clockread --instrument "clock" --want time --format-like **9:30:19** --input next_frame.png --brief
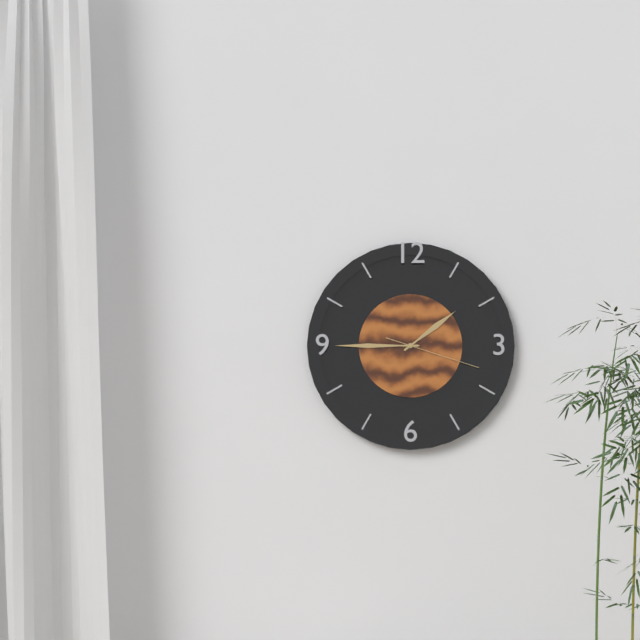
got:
**1:45:18**
